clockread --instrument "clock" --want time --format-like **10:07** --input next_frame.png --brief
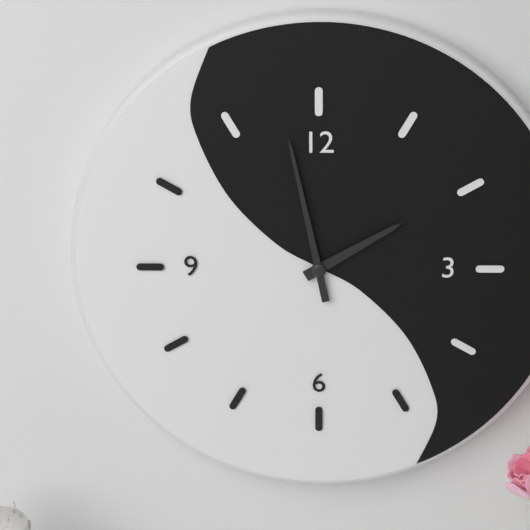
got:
**1:58**
